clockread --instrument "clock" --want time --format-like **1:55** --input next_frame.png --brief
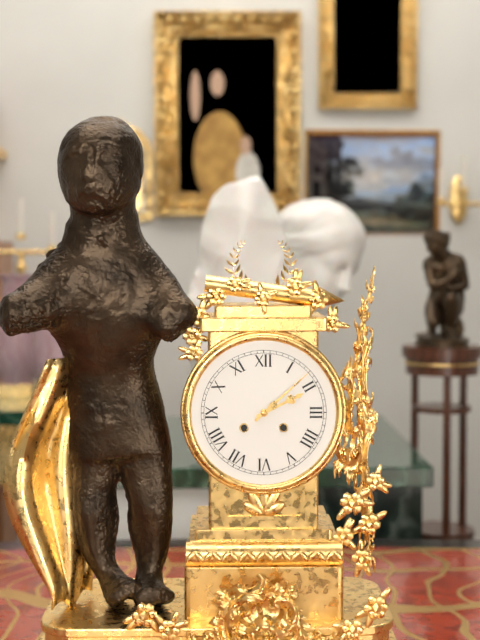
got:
**2:08**
